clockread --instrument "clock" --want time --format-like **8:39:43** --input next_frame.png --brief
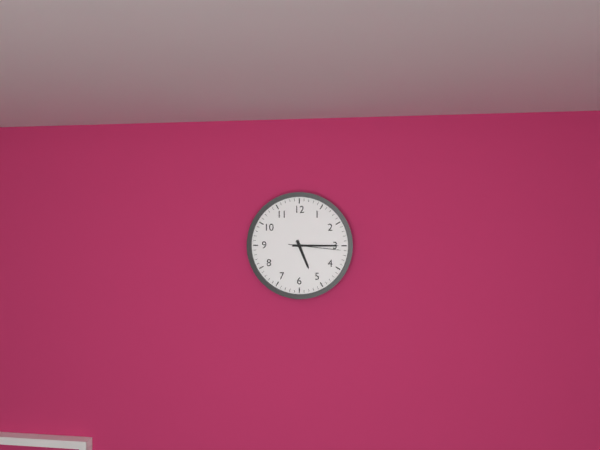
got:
**5:15:16**
